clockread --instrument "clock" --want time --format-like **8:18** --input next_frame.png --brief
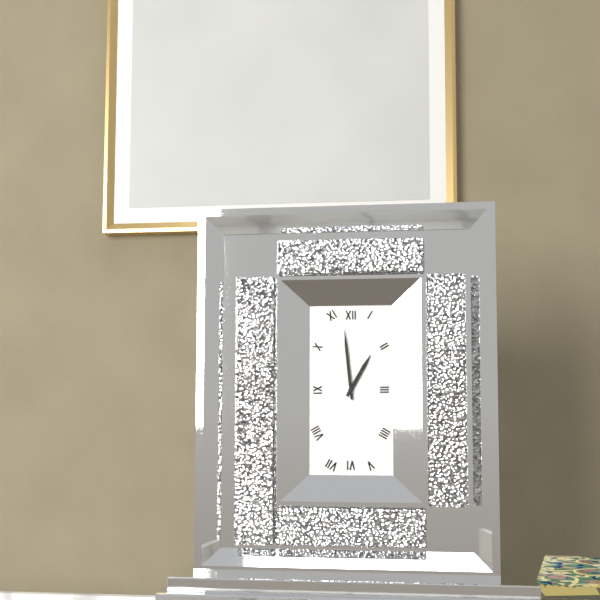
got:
**12:59**
